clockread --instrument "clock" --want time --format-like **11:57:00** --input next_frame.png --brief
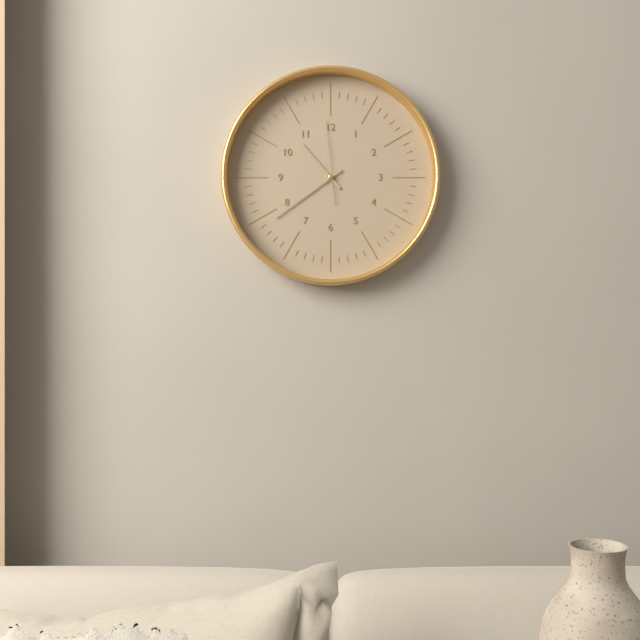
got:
**10:39:59**
